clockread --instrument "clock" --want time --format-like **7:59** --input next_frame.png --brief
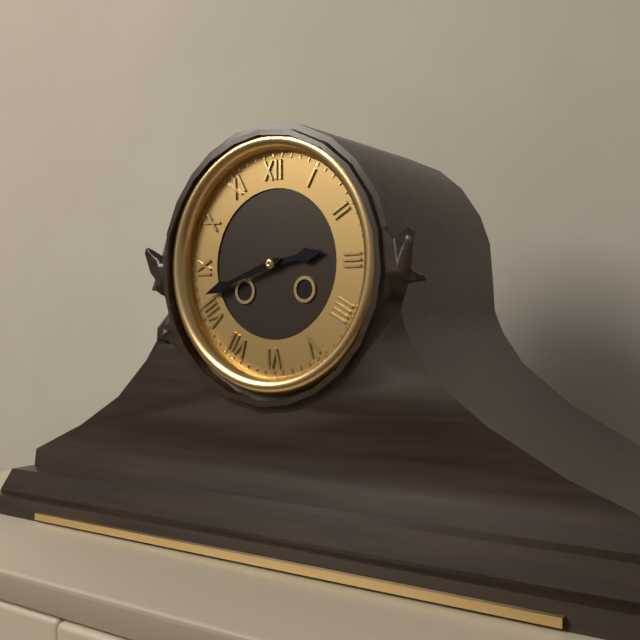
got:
**2:42**
